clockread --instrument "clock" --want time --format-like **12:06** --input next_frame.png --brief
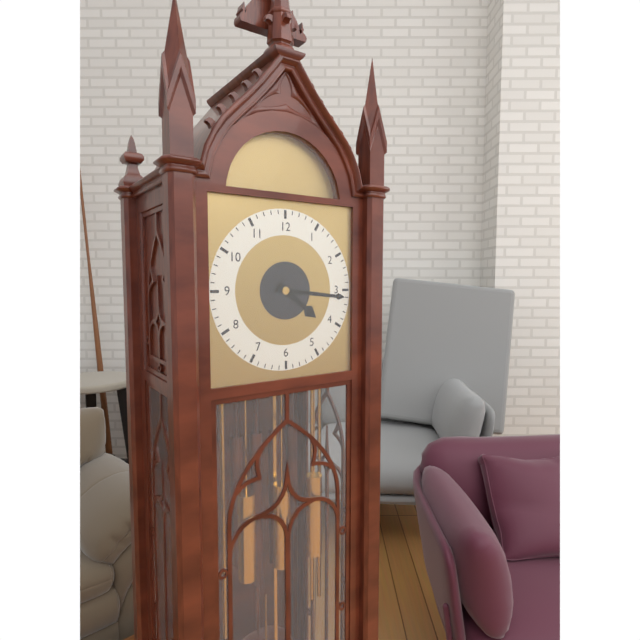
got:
**4:16**
